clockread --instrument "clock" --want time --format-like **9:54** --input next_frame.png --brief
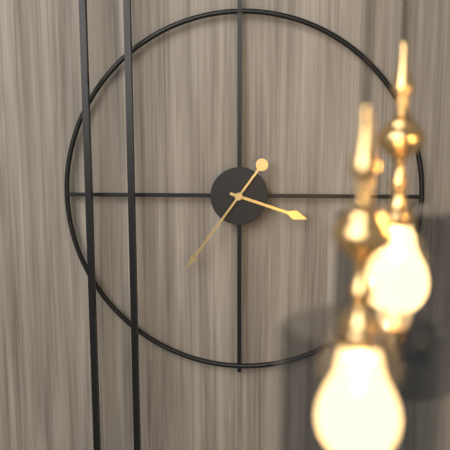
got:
**3:36**
